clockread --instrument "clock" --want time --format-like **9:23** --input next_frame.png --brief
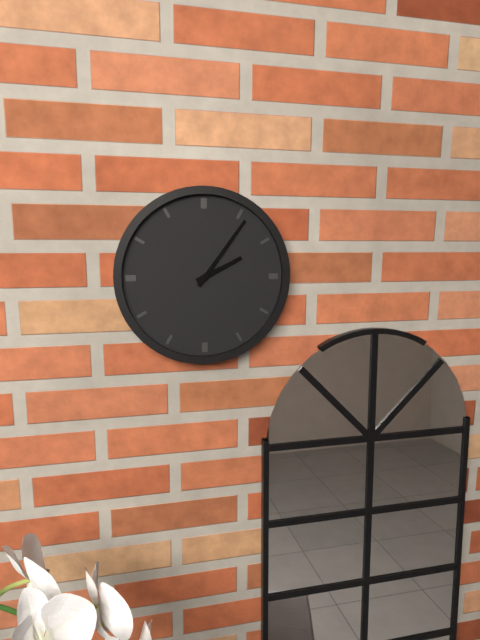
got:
**2:06**
